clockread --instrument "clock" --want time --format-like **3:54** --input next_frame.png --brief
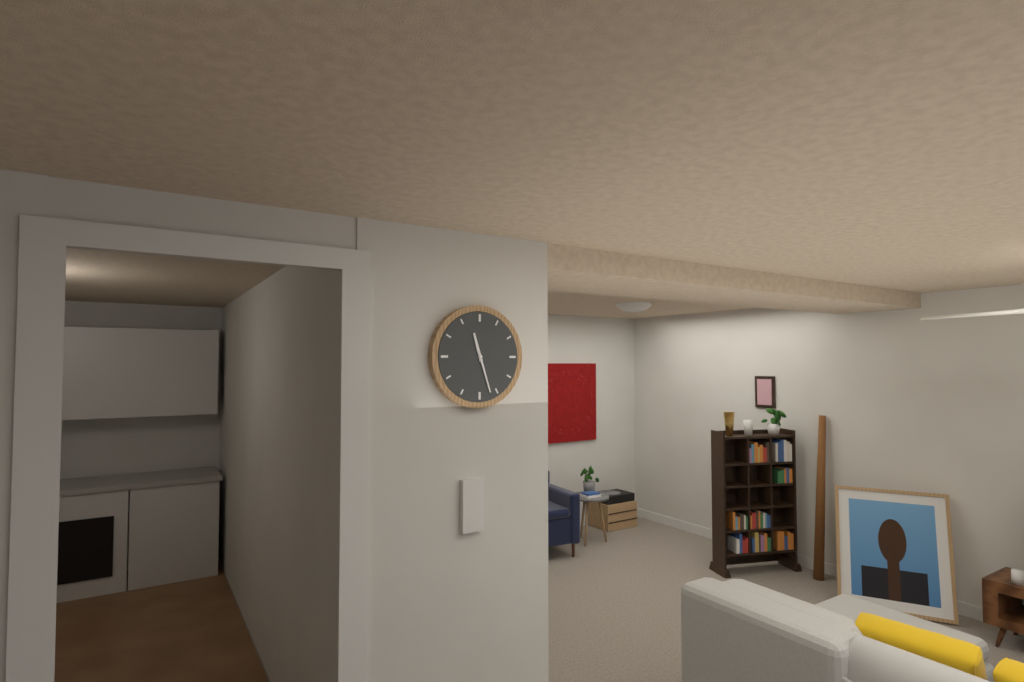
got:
**11:27**
